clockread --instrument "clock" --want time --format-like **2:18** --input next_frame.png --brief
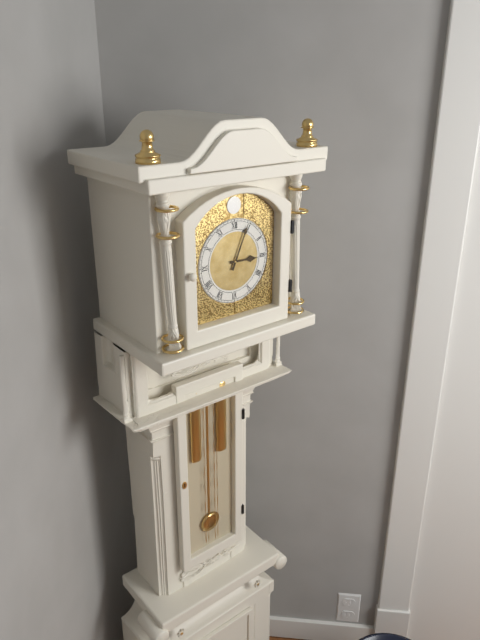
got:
**3:04**
